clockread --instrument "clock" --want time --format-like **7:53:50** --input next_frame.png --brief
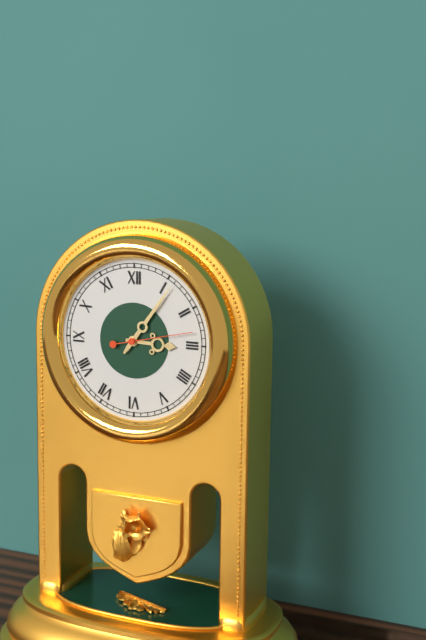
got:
**3:06:13**
